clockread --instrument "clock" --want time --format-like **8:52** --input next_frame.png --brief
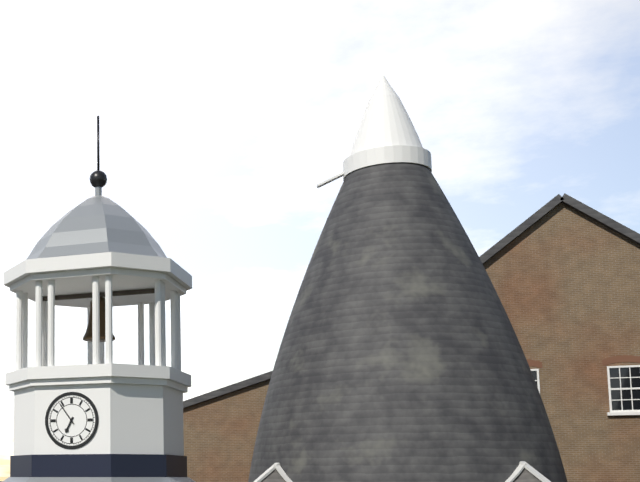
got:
**6:54**
